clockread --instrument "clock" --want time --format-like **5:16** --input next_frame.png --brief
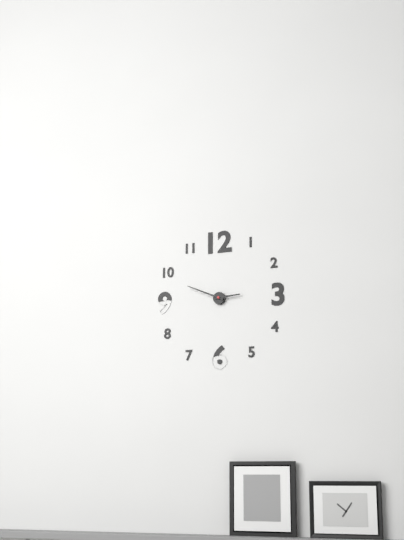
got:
**2:49**
